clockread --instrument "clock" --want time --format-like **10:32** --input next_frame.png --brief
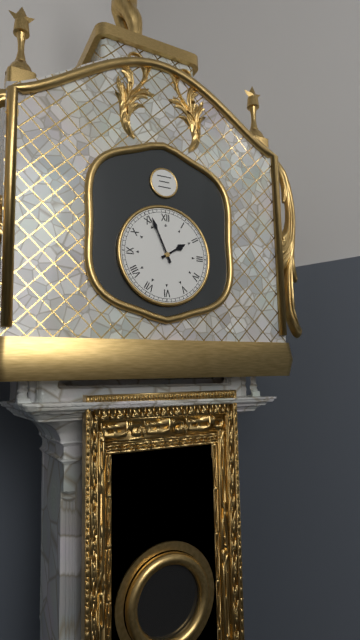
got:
**1:56**
